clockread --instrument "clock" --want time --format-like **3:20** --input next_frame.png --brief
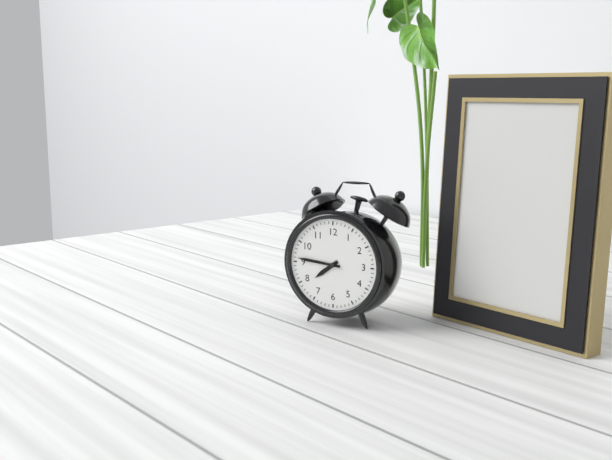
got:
**7:46**
